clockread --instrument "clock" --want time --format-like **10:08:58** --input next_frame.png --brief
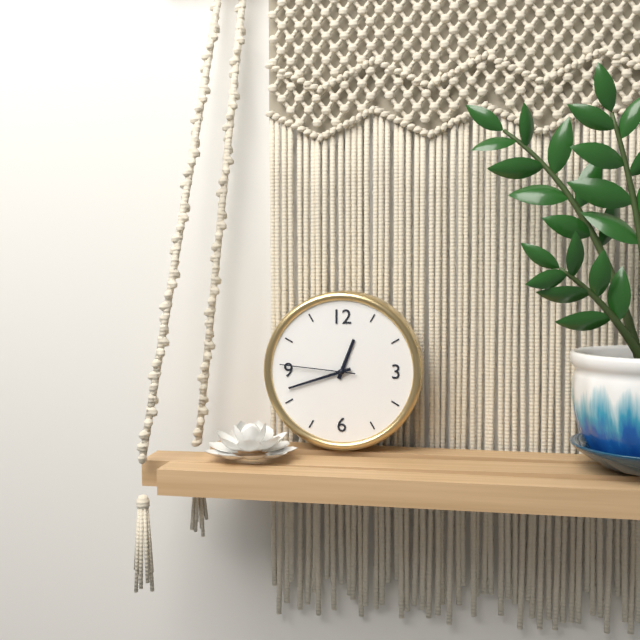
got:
**12:42:46**
